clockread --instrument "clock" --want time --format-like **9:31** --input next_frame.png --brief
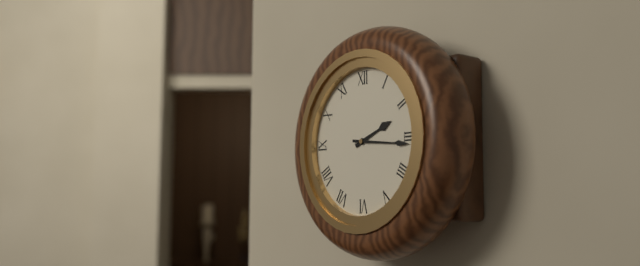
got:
**2:16**
